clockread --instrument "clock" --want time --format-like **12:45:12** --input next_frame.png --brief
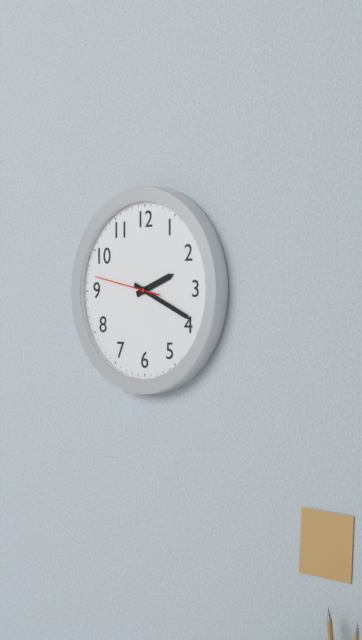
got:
**2:19:47**
